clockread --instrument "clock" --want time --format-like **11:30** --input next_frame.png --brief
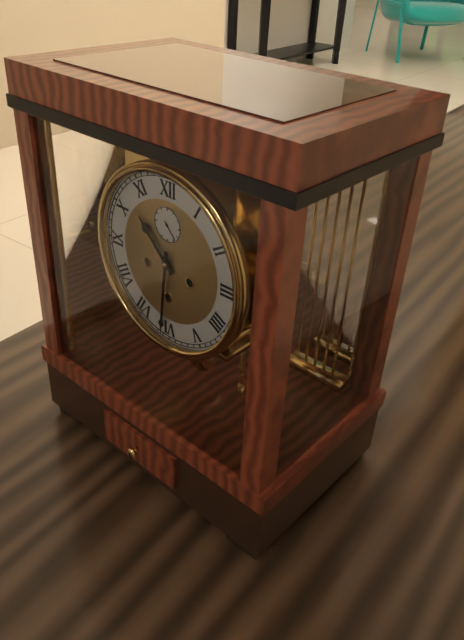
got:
**10:31**
